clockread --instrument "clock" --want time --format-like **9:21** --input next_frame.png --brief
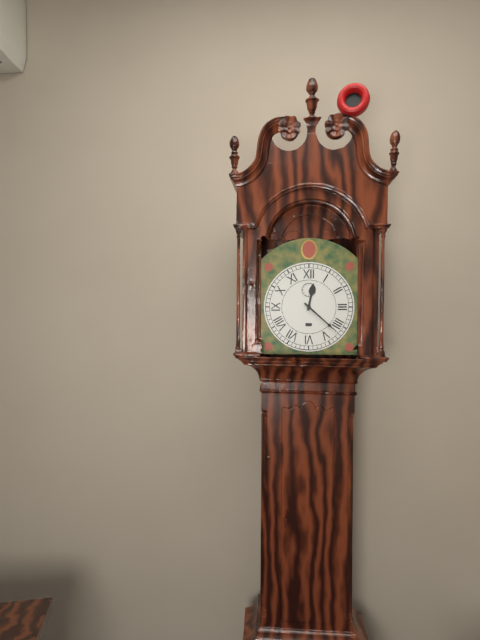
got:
**12:22**
